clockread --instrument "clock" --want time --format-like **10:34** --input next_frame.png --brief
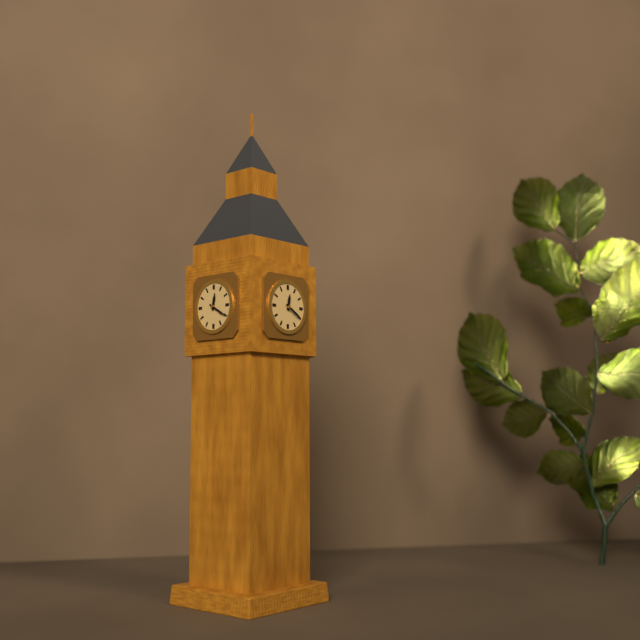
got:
**12:20**
